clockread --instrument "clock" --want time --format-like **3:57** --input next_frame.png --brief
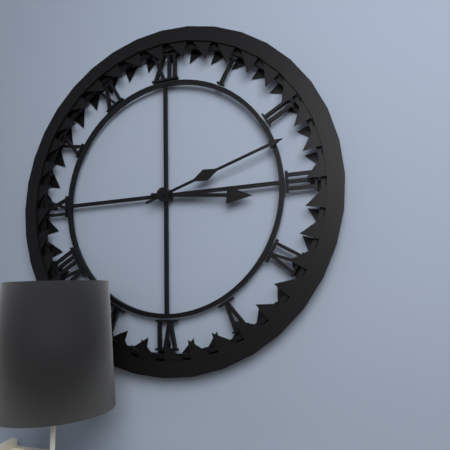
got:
**3:12**
